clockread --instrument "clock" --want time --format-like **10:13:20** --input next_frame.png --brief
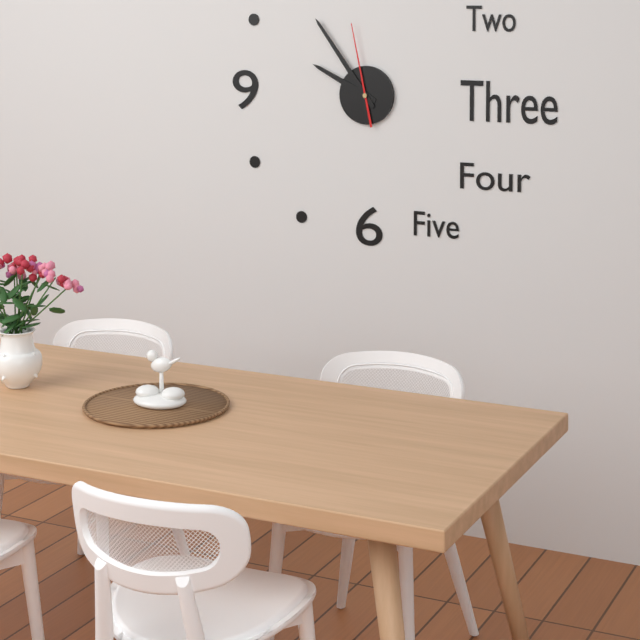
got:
**9:54:58**
